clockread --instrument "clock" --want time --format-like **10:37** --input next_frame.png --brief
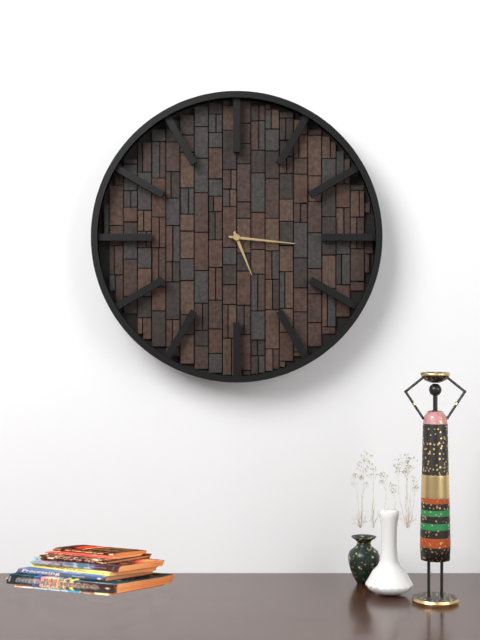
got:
**5:16**
